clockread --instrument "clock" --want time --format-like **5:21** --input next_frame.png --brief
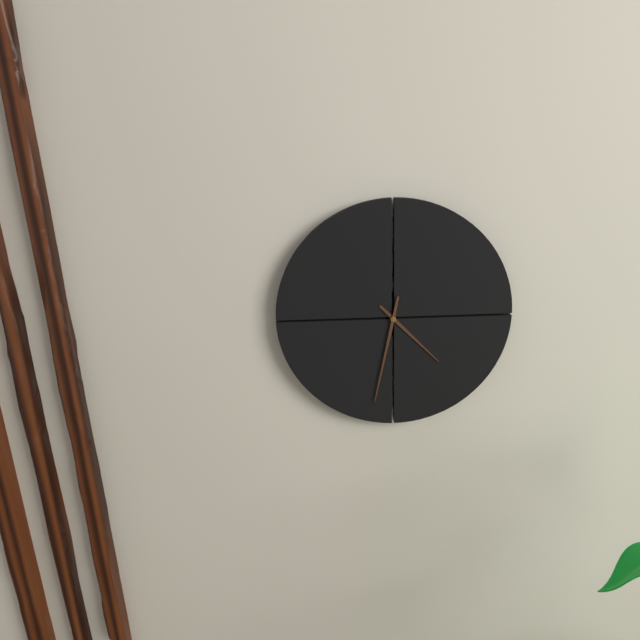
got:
**4:32**
